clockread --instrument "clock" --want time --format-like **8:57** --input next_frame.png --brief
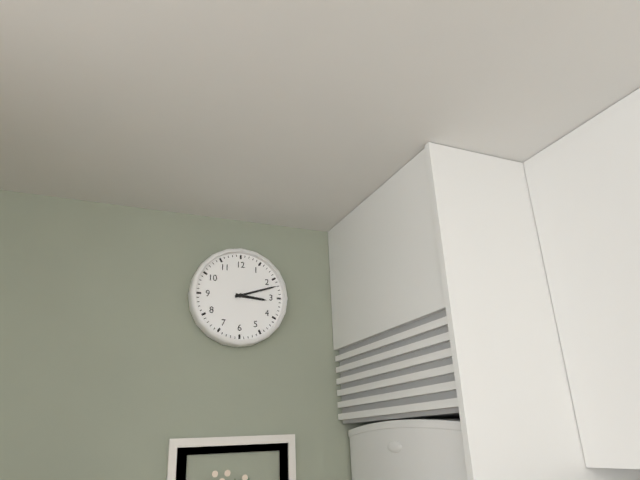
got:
**3:12**
